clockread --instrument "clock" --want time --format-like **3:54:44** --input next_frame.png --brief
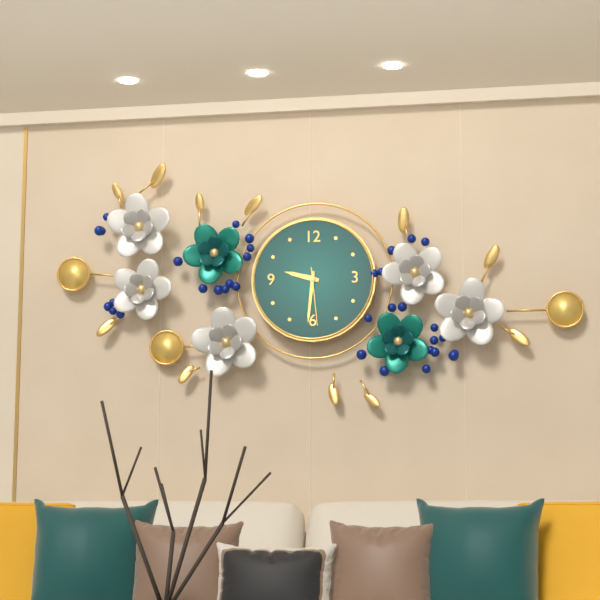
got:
**9:31:29**
